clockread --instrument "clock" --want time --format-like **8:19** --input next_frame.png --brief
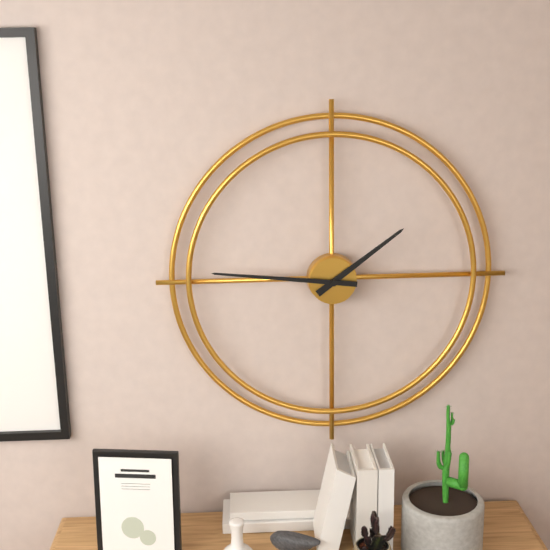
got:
**1:46**
